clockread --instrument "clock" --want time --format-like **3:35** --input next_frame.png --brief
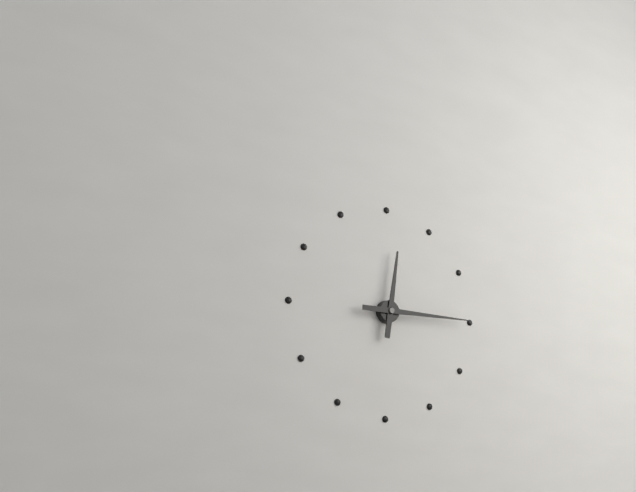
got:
**12:15**
